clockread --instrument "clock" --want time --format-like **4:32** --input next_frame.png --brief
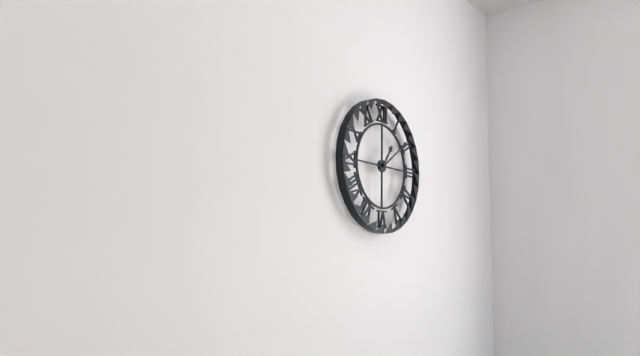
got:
**1:09**
